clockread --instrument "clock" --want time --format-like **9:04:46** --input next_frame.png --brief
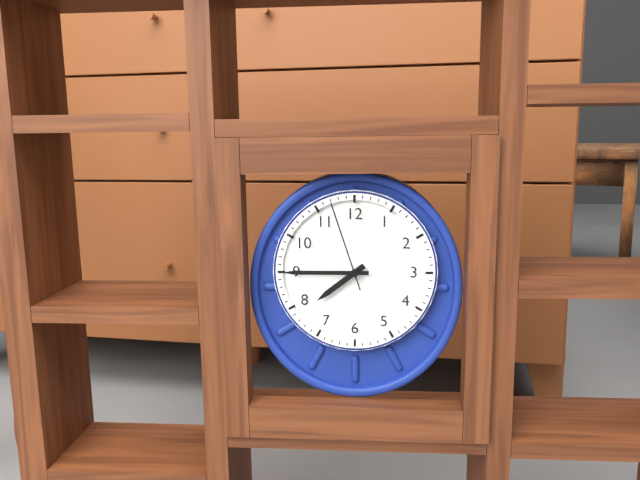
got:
**7:45:57**
